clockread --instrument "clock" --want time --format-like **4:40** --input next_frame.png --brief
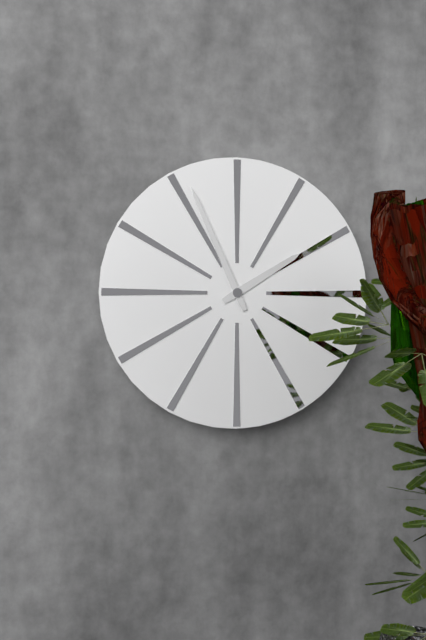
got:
**1:56**
